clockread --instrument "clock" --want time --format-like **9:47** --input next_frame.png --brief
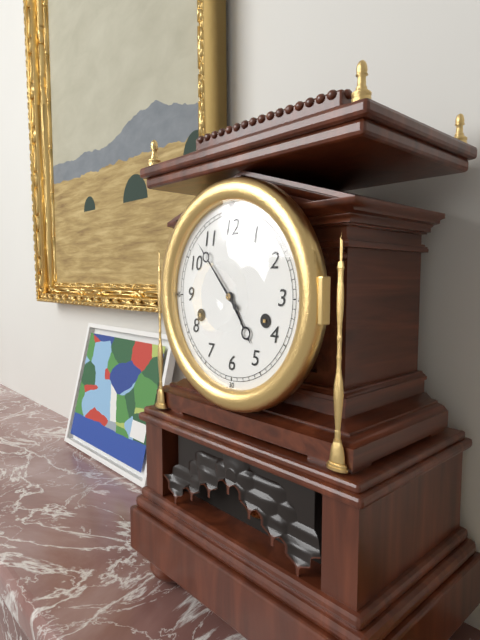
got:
**4:53**
